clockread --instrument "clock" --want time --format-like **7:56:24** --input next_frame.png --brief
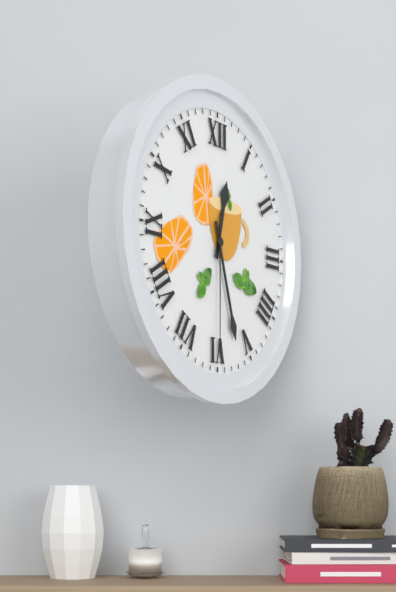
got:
**12:27:30**
